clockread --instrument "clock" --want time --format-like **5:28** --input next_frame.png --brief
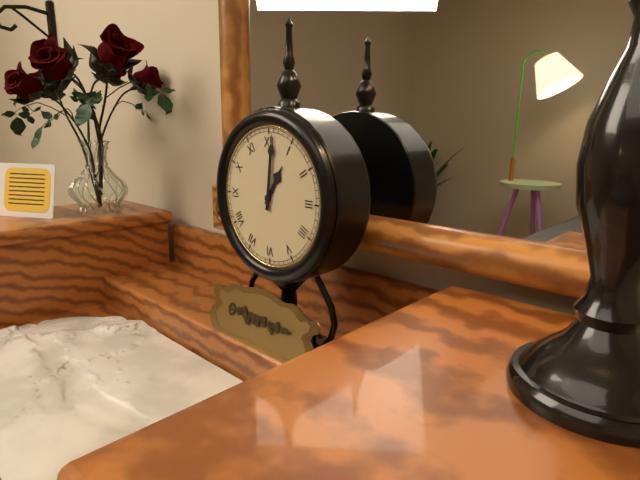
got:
**1:01**
